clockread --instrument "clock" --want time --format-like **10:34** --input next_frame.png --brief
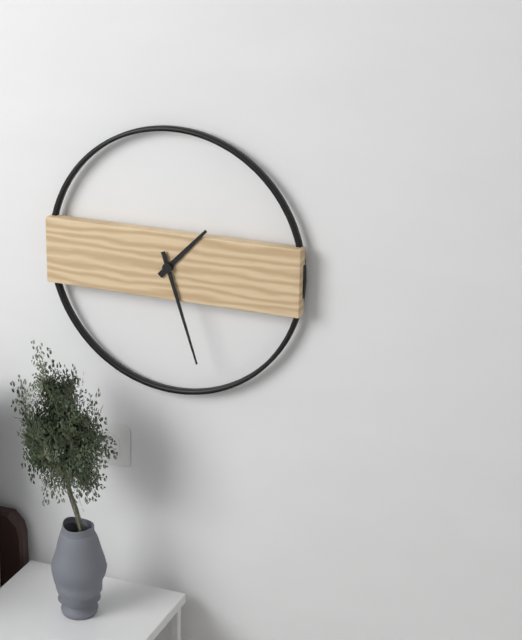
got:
**1:27**
